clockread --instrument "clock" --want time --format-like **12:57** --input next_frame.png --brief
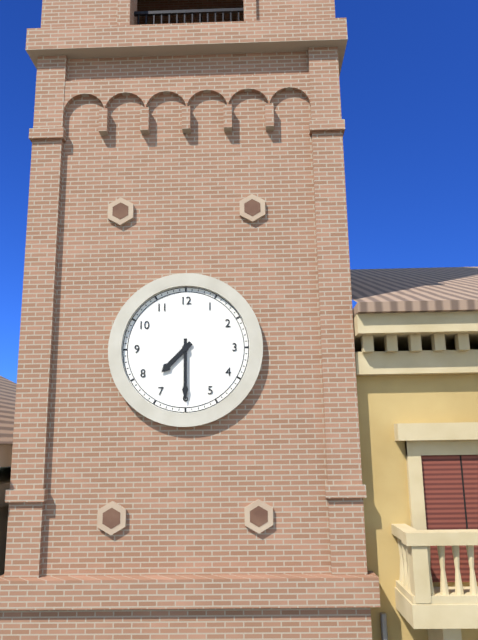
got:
**7:30**
